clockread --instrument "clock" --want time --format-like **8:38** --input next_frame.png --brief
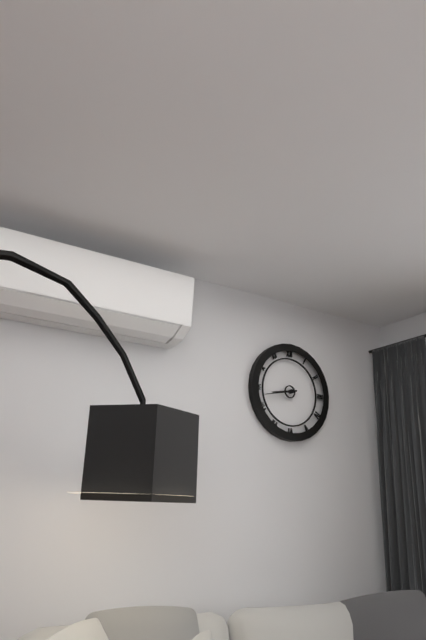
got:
**8:43**
